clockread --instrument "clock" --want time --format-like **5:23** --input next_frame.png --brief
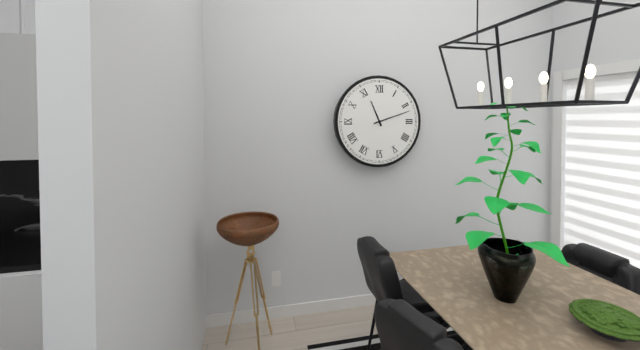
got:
**11:12**
